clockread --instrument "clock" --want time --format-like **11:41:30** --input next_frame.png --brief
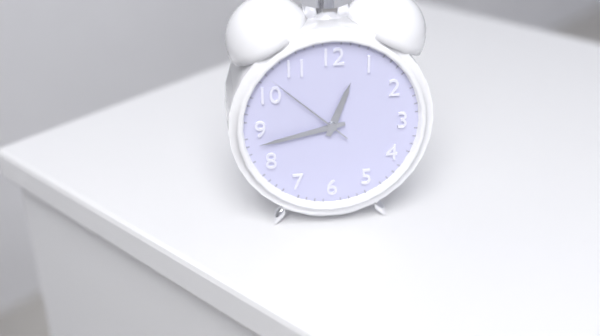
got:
**12:43:52**
